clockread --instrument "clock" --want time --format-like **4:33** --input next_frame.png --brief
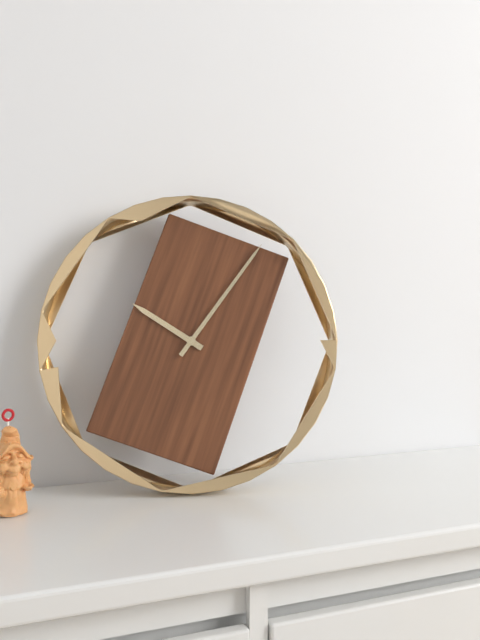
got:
**10:06**
